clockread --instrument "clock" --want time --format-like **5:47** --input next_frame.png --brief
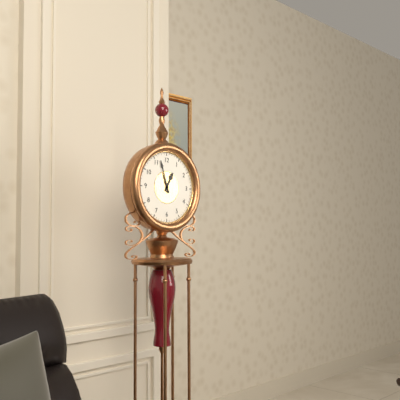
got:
**12:57**
